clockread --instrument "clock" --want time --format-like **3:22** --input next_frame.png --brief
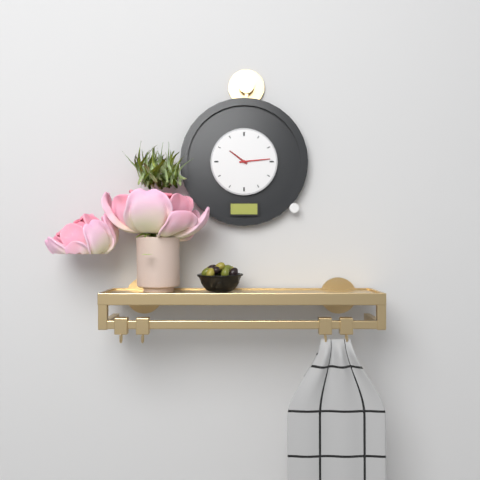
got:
**10:14**
